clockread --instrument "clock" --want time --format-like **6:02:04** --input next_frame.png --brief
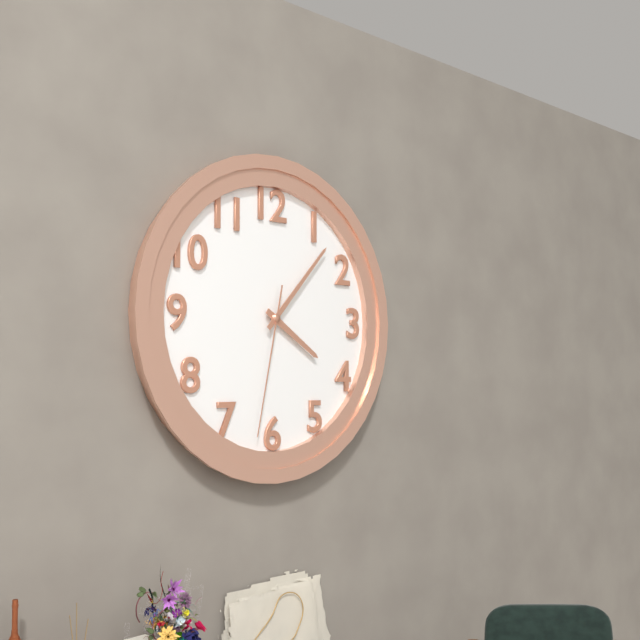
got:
**4:07:32**
